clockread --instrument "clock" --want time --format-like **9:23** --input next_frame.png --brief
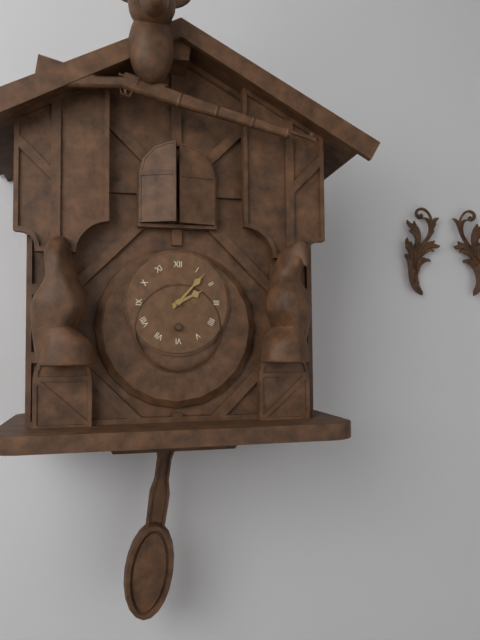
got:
**2:07**
